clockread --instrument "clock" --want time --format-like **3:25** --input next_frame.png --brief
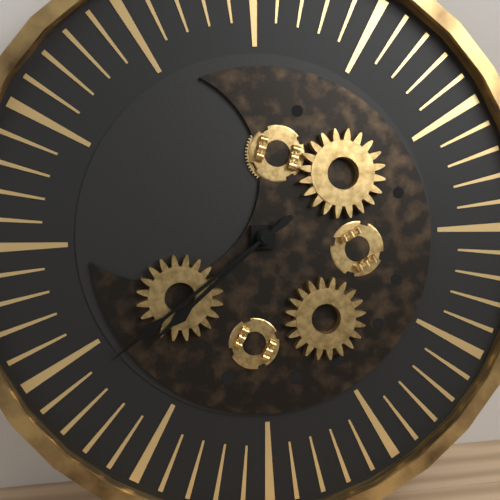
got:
**7:39**
